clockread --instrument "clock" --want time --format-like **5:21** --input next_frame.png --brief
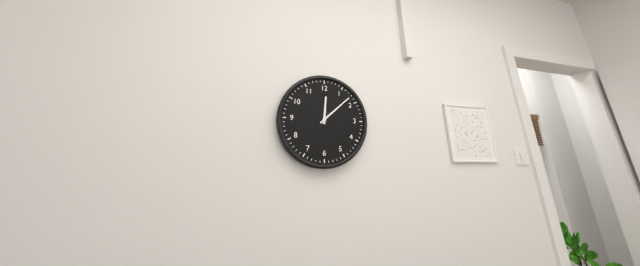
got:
**12:08**
